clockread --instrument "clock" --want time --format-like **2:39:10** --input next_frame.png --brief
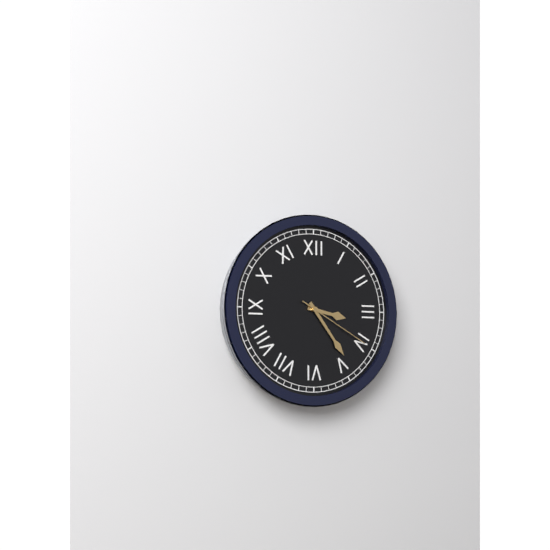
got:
**3:24:20**
